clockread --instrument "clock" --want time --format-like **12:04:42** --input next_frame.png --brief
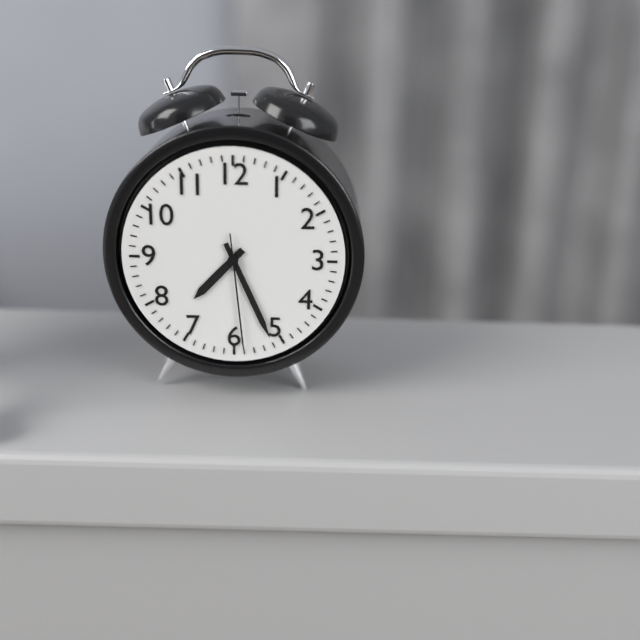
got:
**7:26:29**
